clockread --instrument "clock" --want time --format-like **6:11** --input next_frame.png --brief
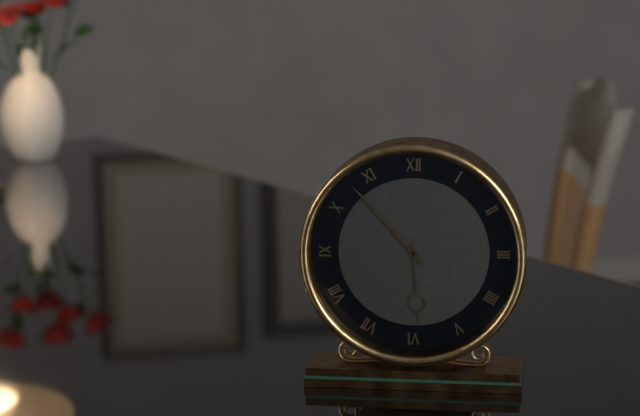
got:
**5:53**
